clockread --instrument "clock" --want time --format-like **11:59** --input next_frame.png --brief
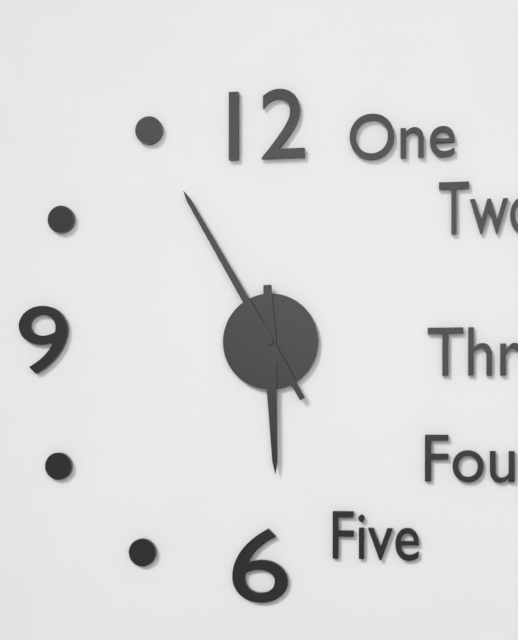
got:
**5:55**
